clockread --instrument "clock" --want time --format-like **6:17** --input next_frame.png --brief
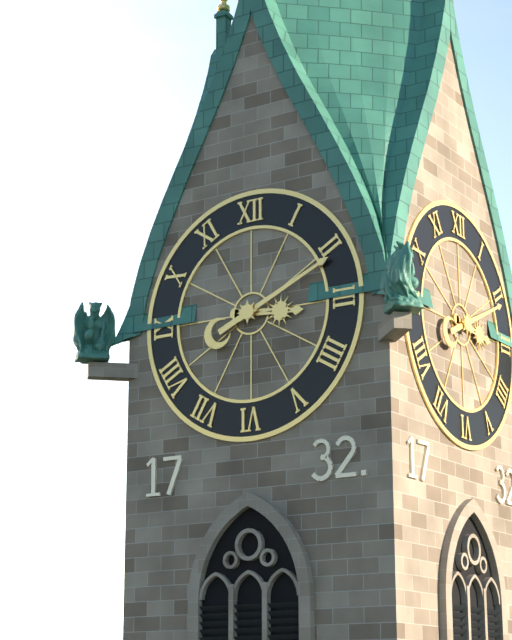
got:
**3:11**
